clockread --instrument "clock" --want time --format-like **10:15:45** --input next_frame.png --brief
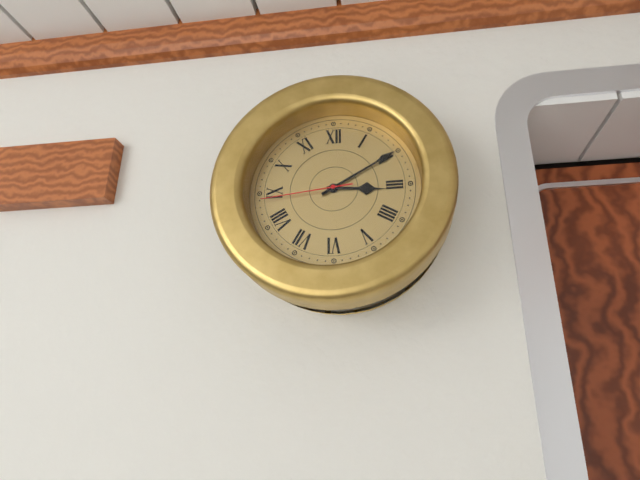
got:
**3:10:44**
